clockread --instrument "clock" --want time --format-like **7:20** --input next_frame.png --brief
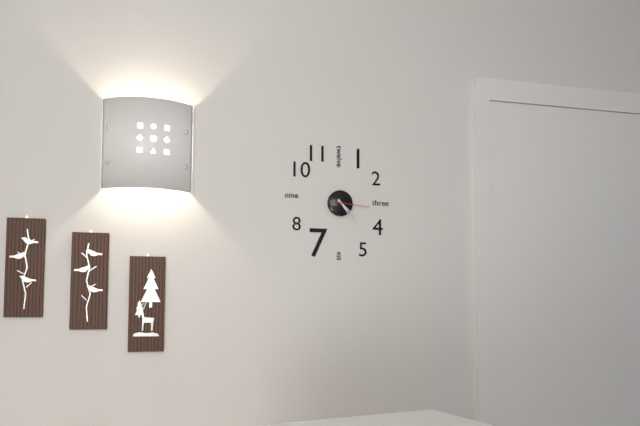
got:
**4:24**
